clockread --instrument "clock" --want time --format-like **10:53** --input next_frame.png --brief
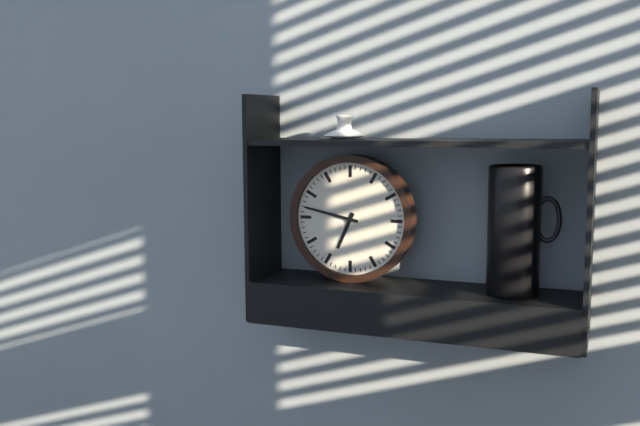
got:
**6:47**
